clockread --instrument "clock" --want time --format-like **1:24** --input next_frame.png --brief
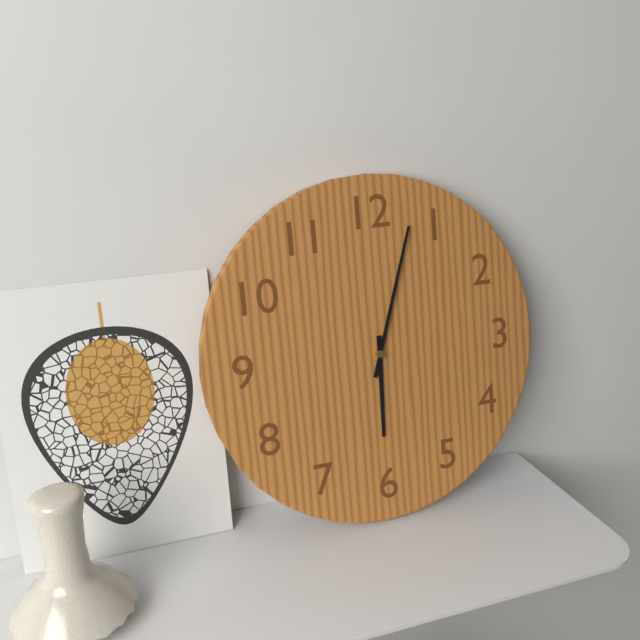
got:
**6:03**
